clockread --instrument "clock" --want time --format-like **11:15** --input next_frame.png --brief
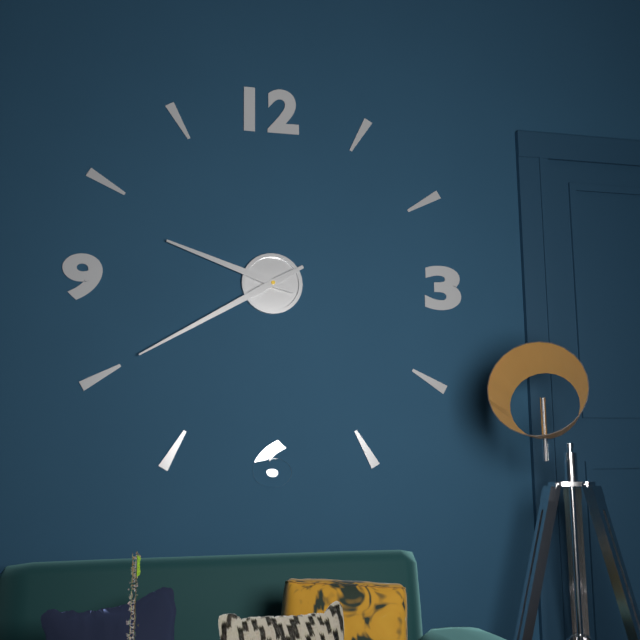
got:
**9:40**
